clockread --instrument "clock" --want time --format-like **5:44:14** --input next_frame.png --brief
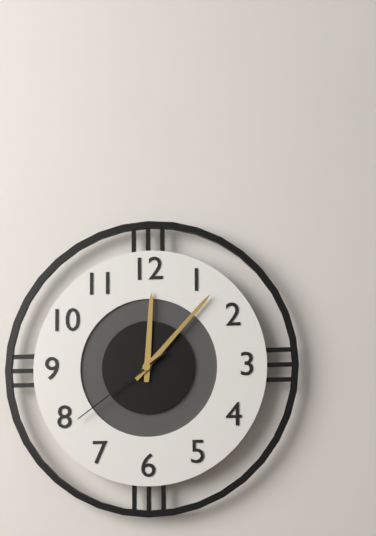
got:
**12:07:39**
